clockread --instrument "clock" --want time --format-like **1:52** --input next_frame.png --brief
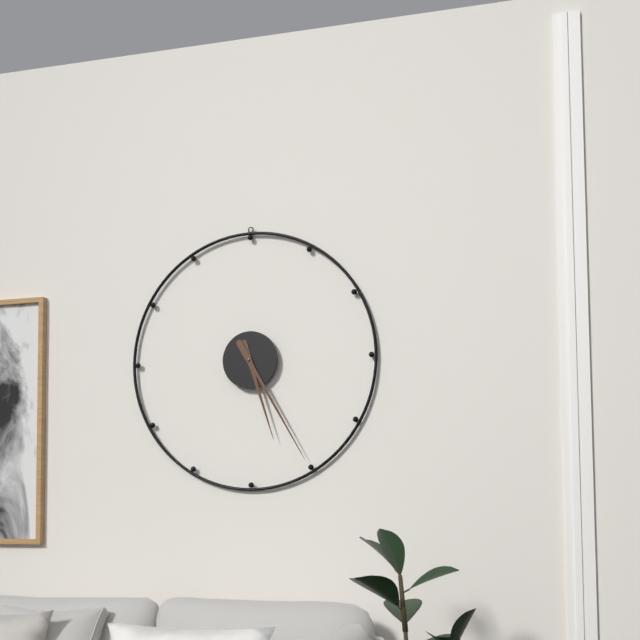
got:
**5:25**
